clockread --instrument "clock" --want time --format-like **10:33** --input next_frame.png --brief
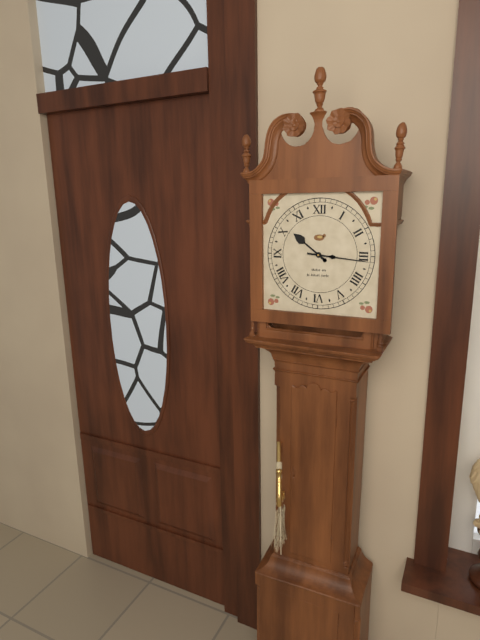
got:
**10:16**
